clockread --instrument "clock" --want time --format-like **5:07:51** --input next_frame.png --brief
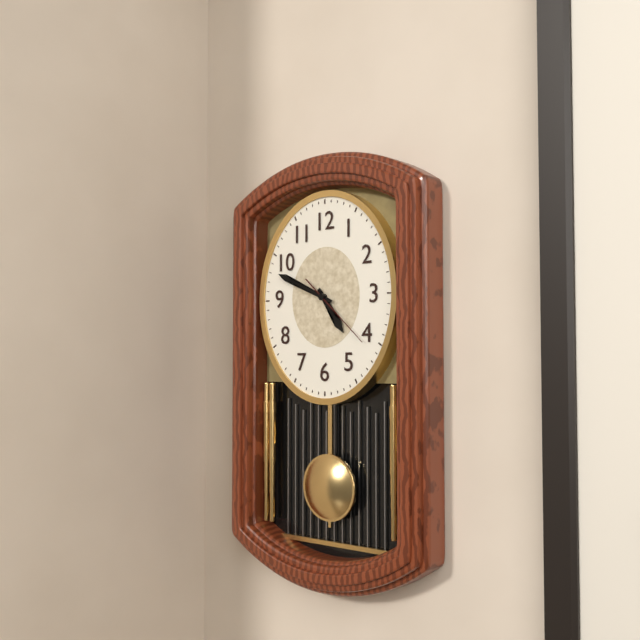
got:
**4:49:22**
